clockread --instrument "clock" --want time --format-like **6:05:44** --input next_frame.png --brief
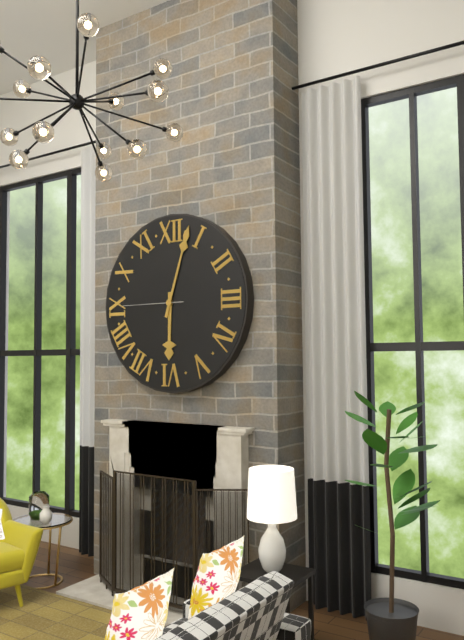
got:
**6:03:45**
